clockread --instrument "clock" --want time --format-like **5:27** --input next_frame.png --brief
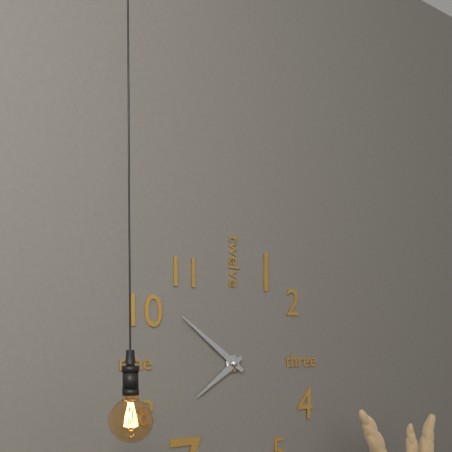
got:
**7:51**
